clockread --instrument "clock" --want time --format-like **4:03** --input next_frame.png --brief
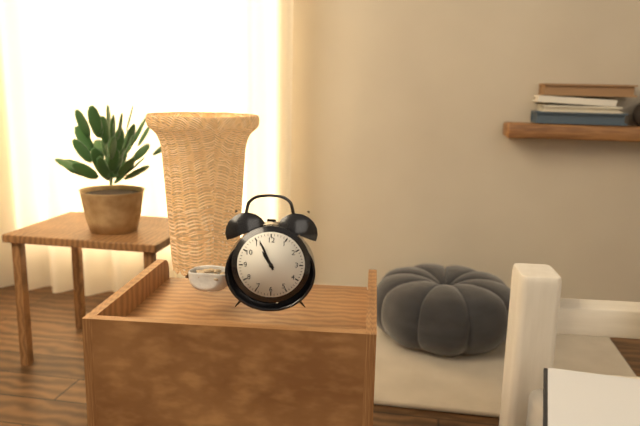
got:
**10:56**
